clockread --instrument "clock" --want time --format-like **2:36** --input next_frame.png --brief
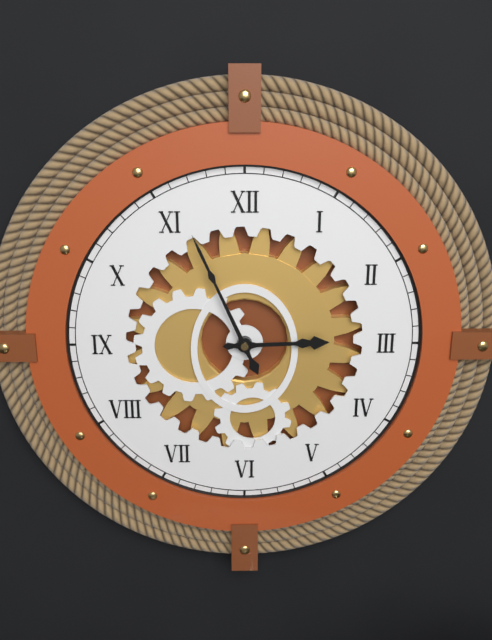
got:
**2:56**
